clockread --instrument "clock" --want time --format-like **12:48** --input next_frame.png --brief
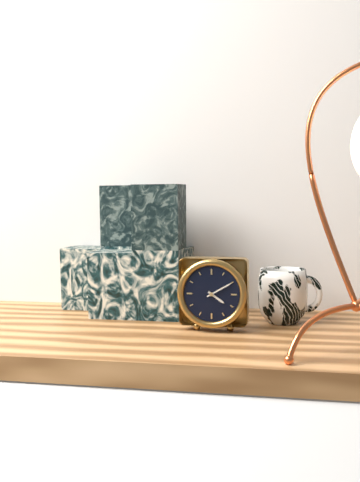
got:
**4:10**
